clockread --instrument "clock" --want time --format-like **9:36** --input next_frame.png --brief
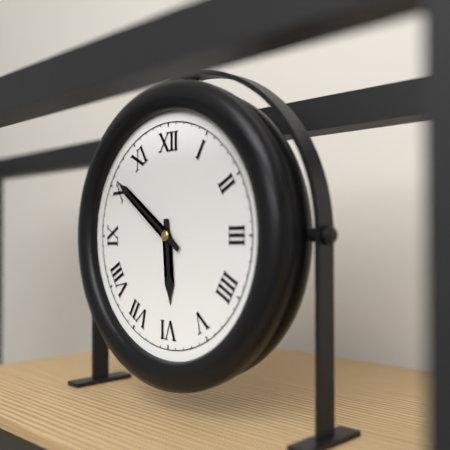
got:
**5:51**
